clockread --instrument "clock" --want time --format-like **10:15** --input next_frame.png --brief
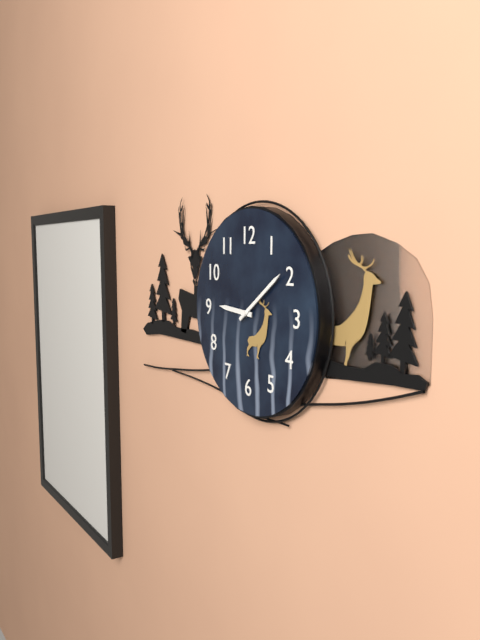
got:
**9:09**
